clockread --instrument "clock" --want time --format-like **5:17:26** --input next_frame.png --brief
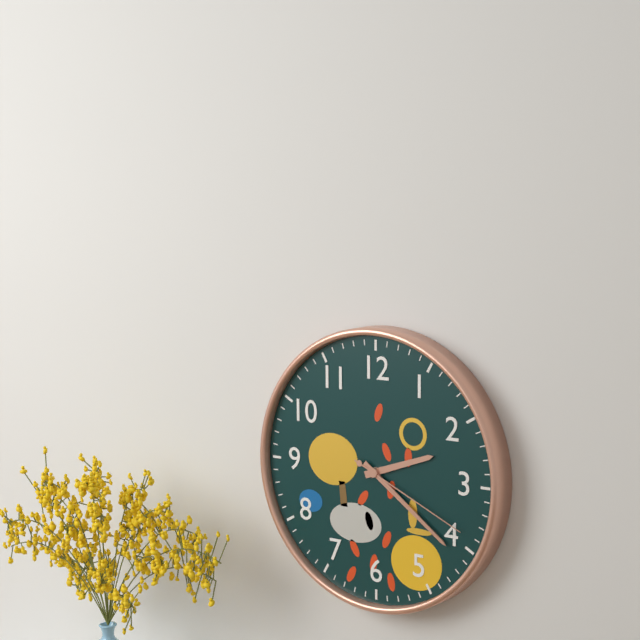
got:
**2:21:19**
